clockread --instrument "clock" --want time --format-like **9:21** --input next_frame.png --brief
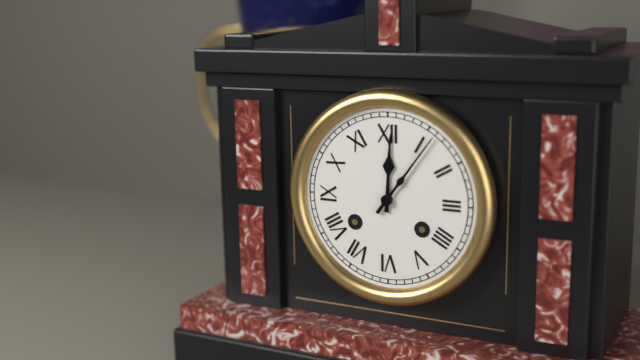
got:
**12:06**
